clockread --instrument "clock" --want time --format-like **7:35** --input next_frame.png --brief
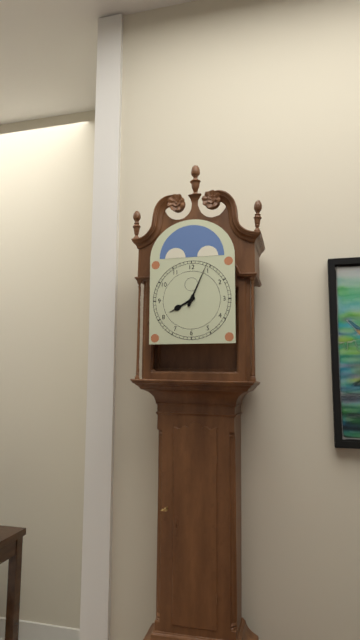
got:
**8:04**
